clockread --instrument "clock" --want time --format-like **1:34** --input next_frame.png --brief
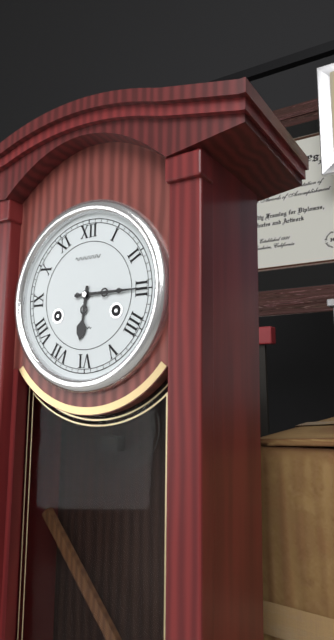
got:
**6:15**
